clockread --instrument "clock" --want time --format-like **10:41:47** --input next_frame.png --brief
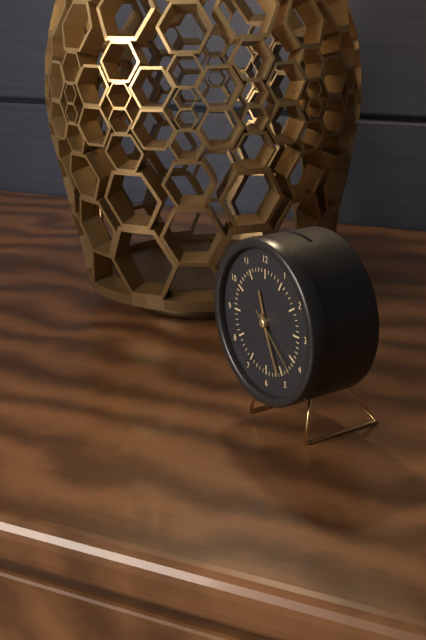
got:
**11:26:22**
